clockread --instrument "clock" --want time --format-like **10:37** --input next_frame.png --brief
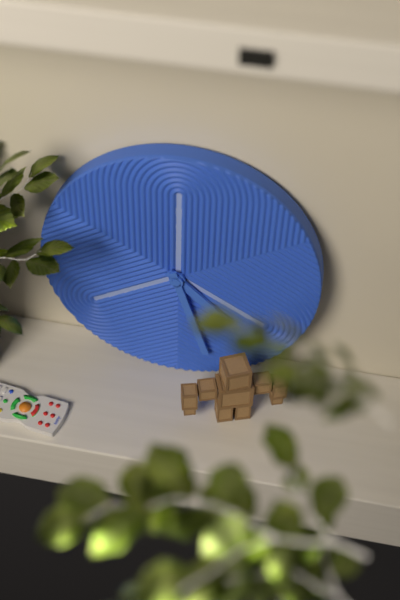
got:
**4:27**
